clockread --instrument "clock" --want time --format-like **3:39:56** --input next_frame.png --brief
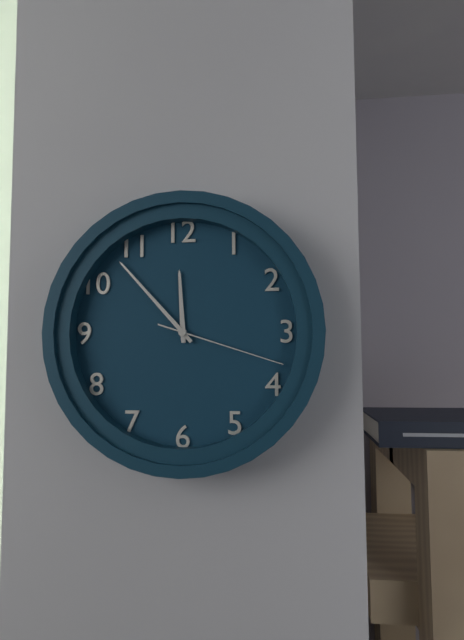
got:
**11:53:18**
